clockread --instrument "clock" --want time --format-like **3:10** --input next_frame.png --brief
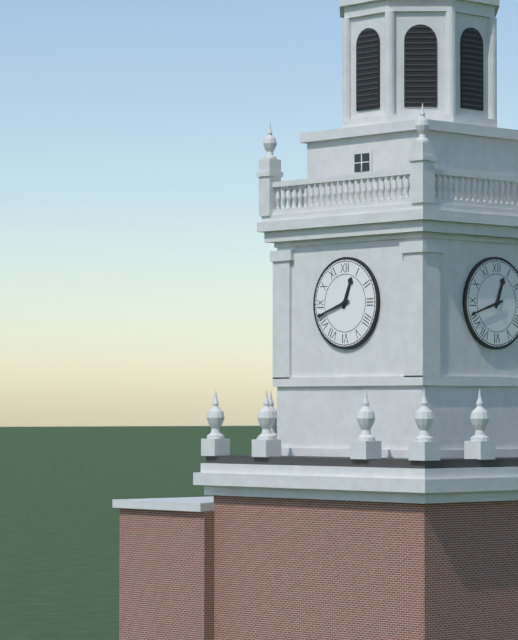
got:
**12:42**
